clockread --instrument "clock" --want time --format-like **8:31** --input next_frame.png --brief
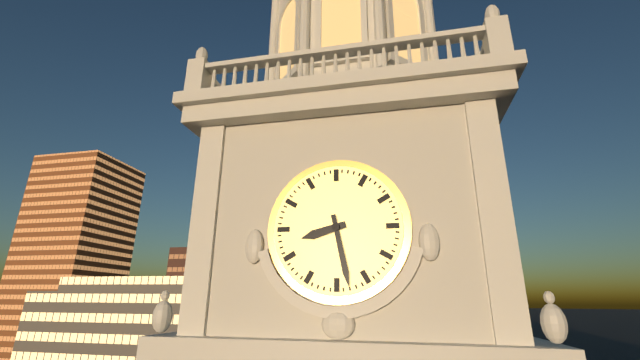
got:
**8:28**
